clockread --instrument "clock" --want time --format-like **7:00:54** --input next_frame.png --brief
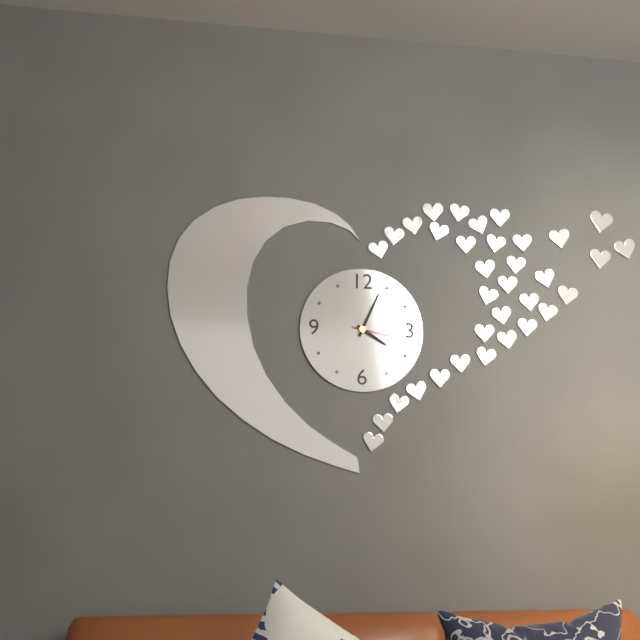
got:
**4:04:17**
